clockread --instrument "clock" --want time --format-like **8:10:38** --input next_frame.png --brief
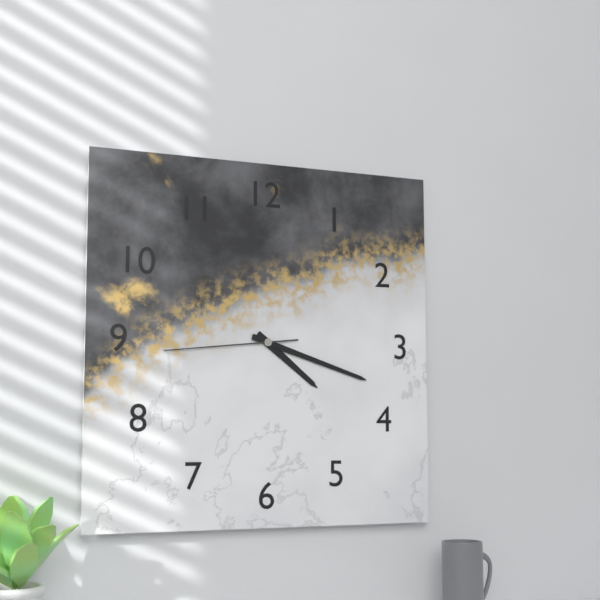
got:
**4:18:44**
